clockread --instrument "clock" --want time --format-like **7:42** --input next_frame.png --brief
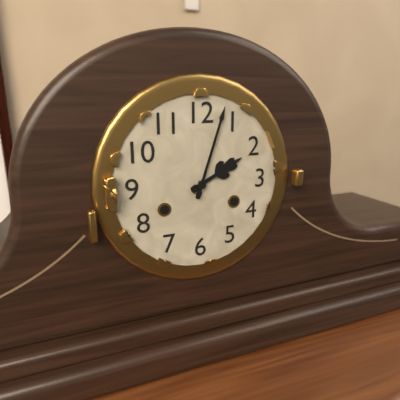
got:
**2:03**
